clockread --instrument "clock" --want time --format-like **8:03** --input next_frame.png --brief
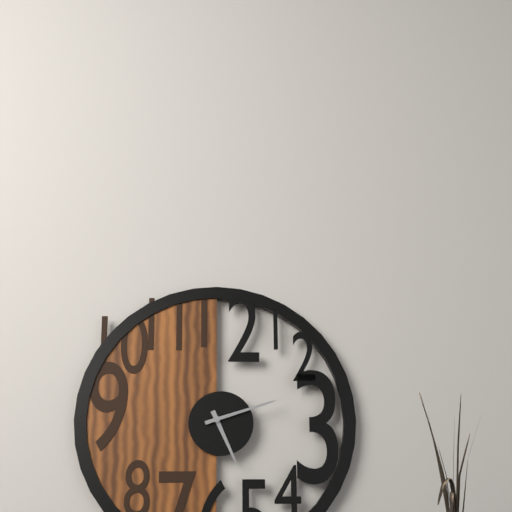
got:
**5:12**
